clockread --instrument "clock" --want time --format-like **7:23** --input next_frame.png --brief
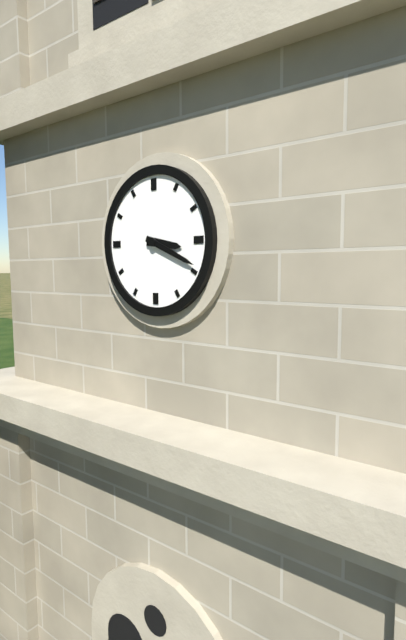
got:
**3:19**
